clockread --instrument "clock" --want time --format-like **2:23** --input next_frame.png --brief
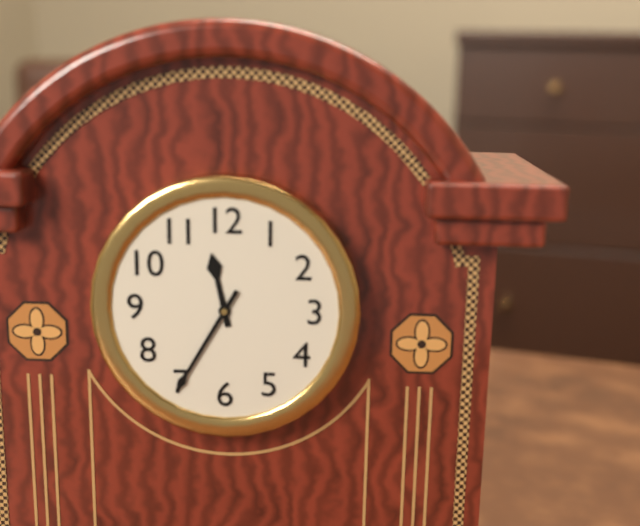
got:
**11:35**
